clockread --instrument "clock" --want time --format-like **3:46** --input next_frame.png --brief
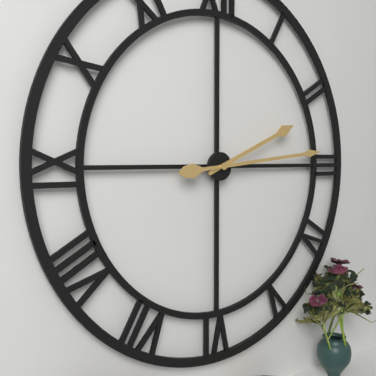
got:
**2:14**
